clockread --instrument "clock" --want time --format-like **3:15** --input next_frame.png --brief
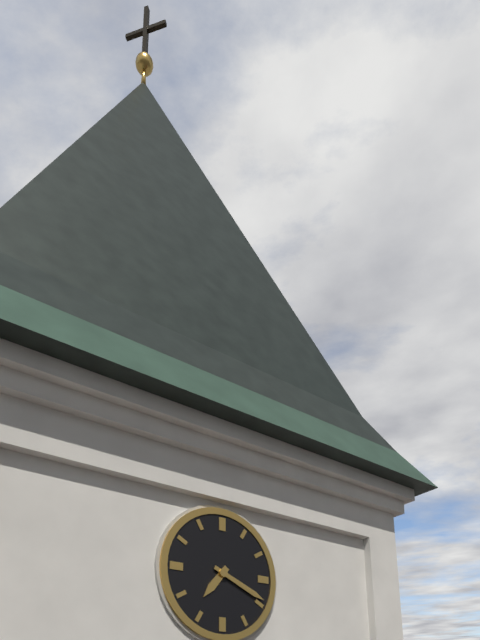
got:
**7:19**
